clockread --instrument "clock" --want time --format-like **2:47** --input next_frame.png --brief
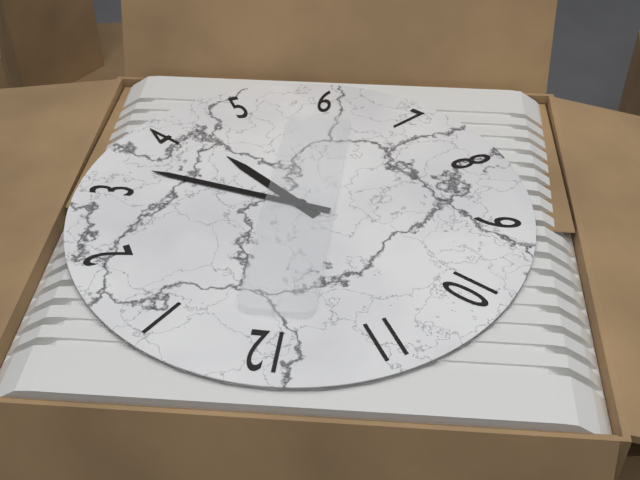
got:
**4:17**
